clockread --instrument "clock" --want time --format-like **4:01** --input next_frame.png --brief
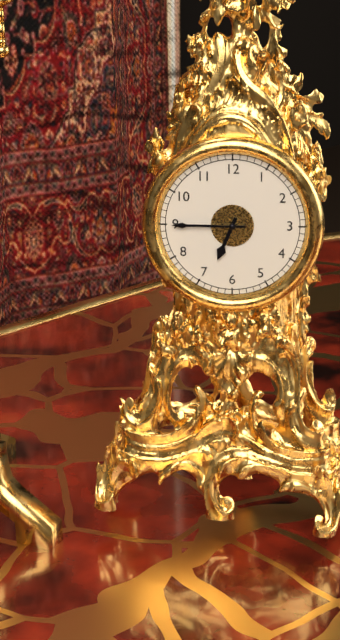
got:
**6:45**
